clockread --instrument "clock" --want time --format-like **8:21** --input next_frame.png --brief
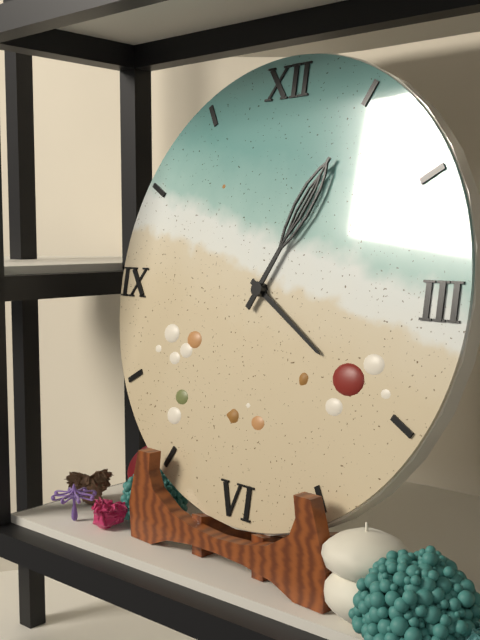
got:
**4:05**
